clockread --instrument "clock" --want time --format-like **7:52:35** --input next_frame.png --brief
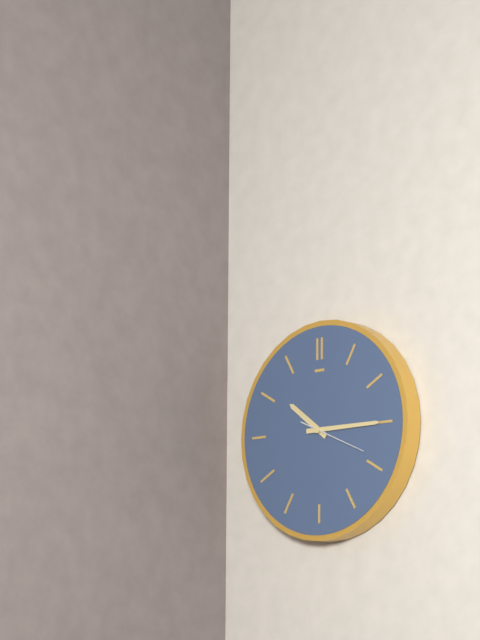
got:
**10:15:19**
